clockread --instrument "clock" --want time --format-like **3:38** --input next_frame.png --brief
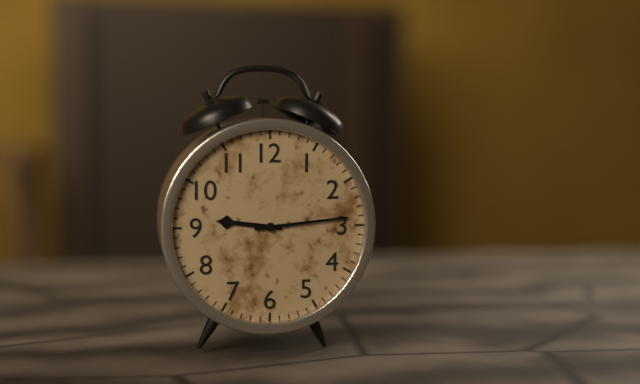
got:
**9:14**
